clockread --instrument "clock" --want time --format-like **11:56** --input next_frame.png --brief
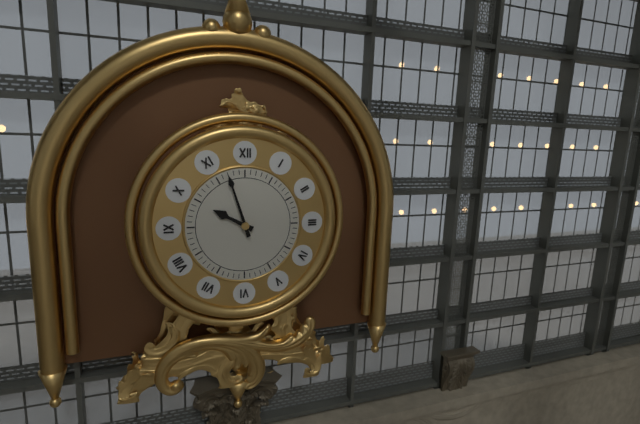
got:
**9:57**
